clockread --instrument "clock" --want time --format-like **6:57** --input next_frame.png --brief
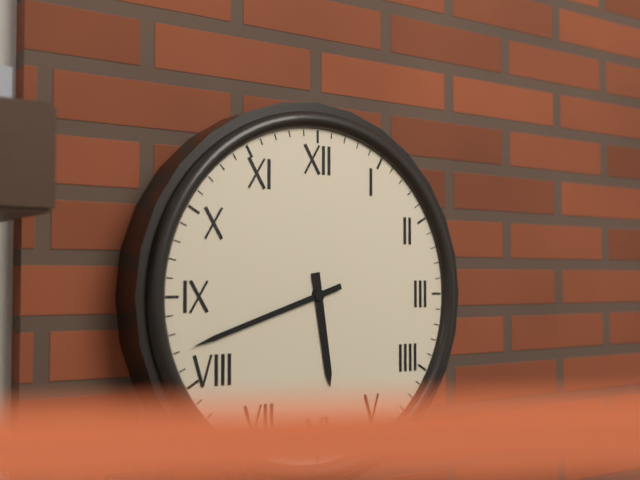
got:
**5:42**
